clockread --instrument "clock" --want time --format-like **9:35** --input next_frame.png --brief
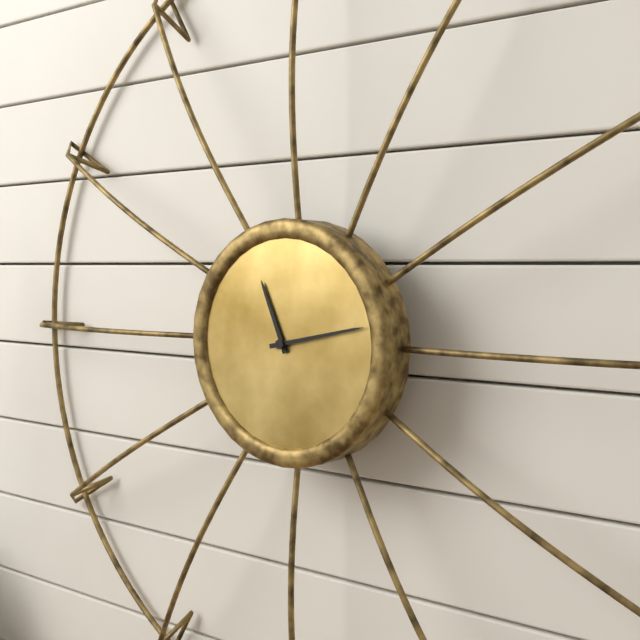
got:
**11:13**
